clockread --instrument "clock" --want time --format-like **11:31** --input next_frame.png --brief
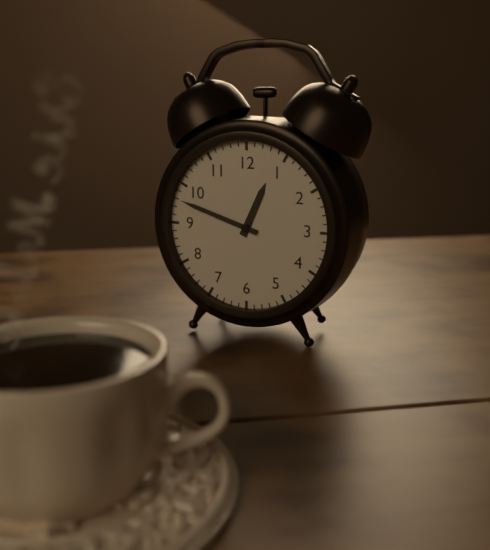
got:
**12:48**
